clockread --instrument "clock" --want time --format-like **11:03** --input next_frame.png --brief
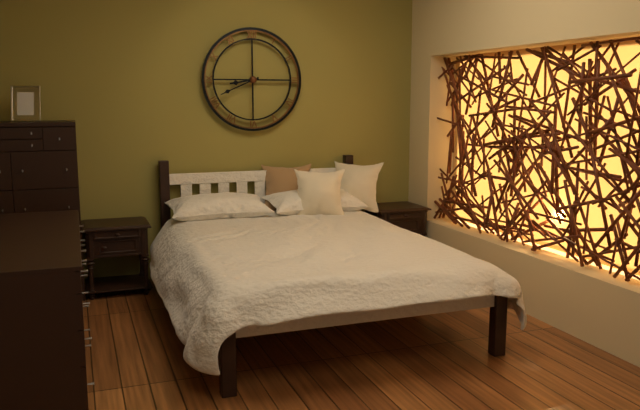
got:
**8:41**
